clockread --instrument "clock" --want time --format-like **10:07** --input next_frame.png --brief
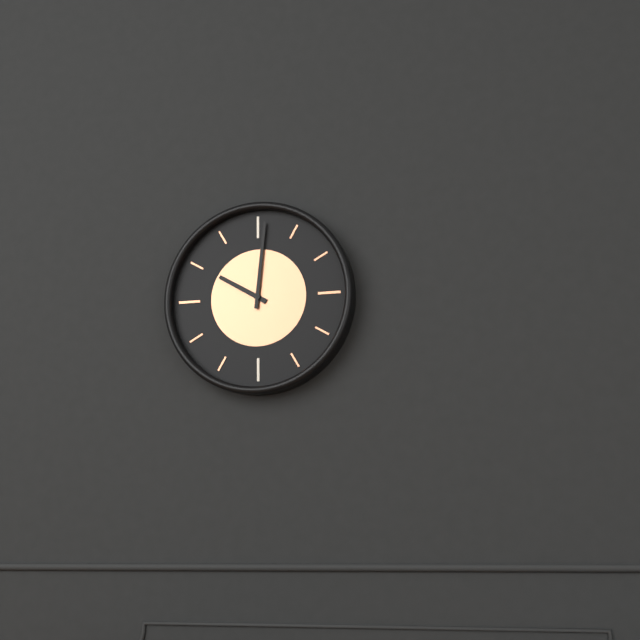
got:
**10:01**
